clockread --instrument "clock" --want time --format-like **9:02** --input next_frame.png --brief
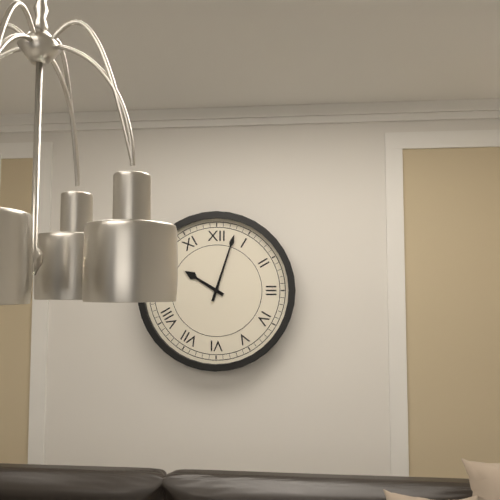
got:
**10:03**
